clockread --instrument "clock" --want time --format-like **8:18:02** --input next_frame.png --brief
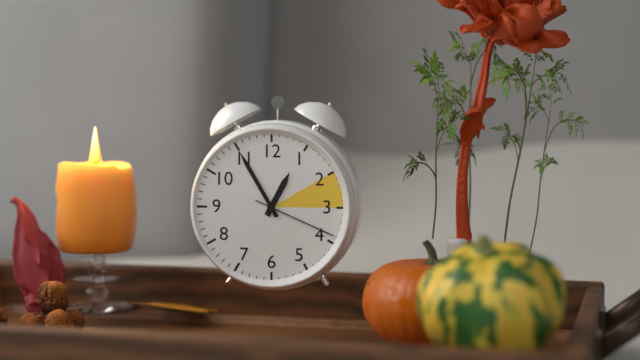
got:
**12:55:19**
